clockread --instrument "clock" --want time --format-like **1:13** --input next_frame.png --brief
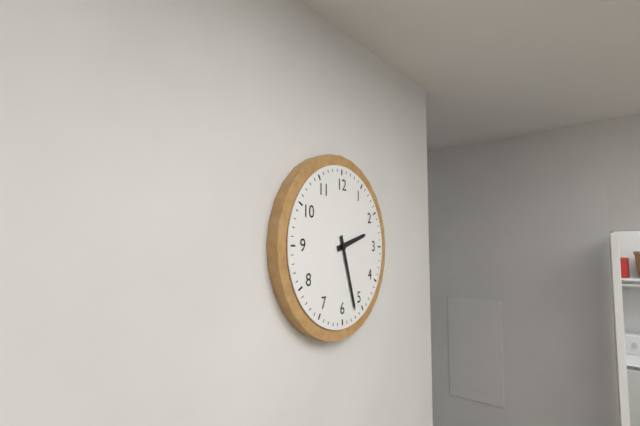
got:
**2:27**
